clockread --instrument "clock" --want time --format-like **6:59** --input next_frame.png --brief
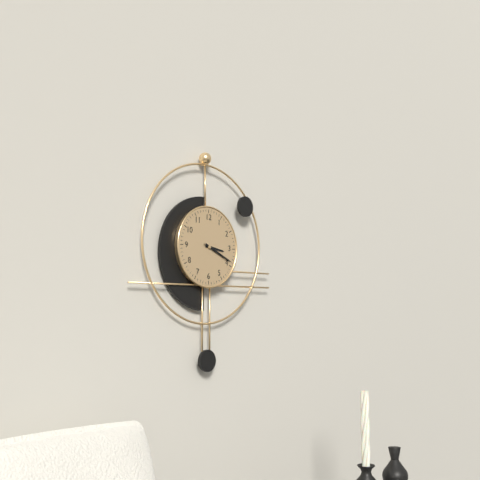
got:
**3:19**
